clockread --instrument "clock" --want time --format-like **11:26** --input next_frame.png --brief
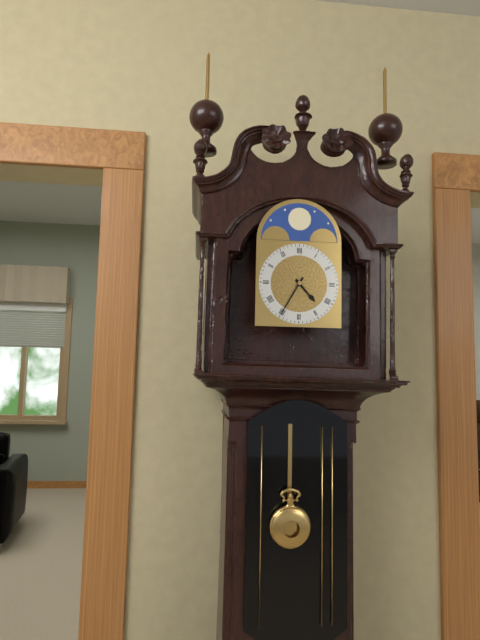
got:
**4:35**
